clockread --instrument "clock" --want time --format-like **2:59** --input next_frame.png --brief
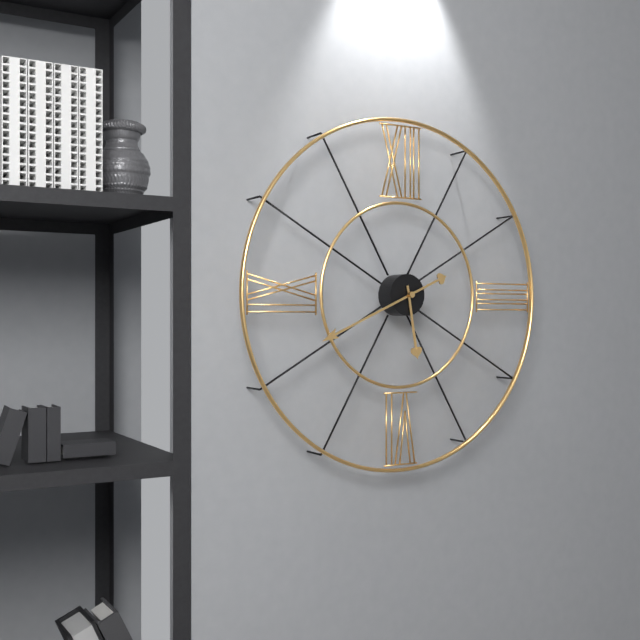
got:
**5:41**
